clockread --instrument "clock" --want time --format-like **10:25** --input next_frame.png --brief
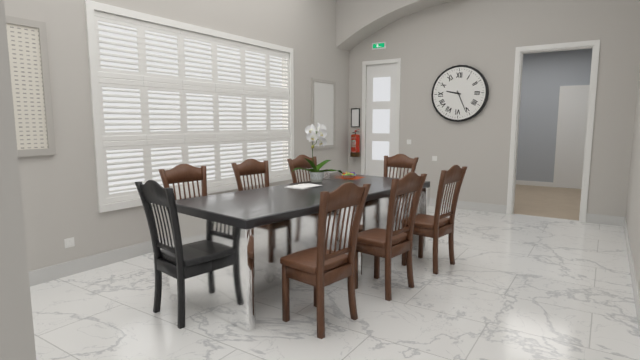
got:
**9:26**
